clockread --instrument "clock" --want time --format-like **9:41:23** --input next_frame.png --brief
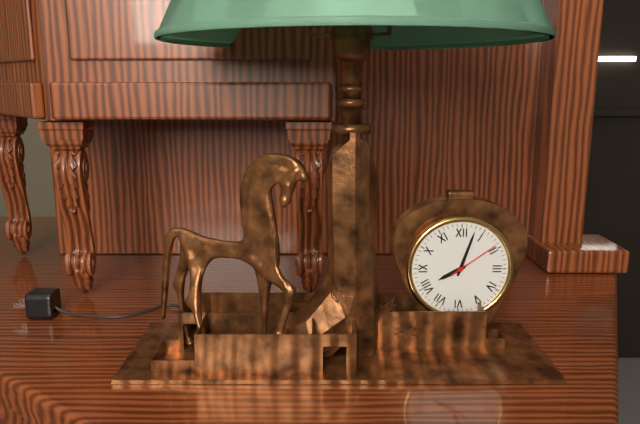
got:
**8:03:09**
